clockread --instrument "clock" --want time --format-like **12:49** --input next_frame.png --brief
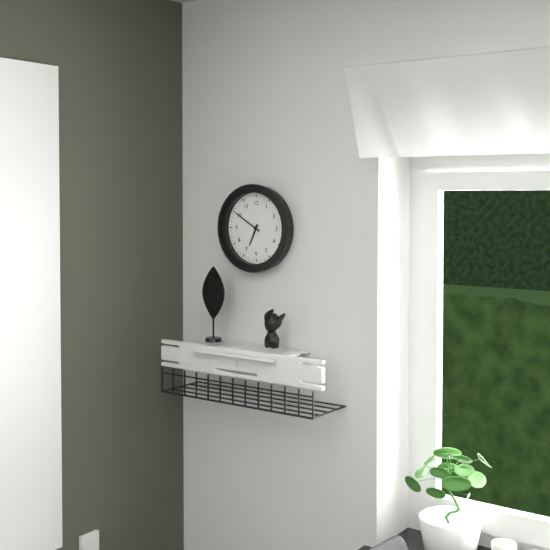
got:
**6:50**
